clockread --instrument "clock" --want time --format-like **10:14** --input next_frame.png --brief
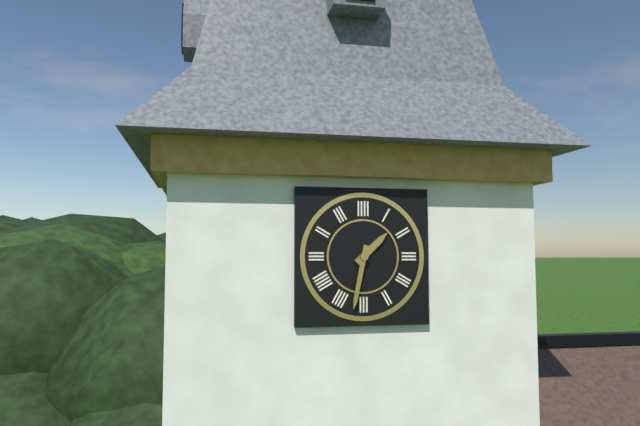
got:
**1:32**
